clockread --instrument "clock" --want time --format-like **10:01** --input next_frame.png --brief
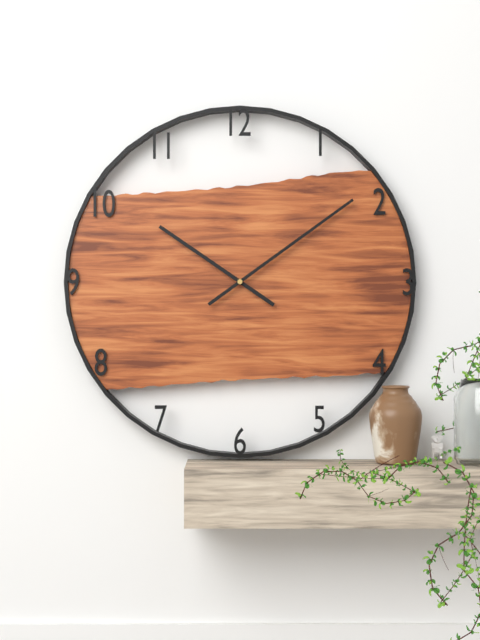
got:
**10:09**
